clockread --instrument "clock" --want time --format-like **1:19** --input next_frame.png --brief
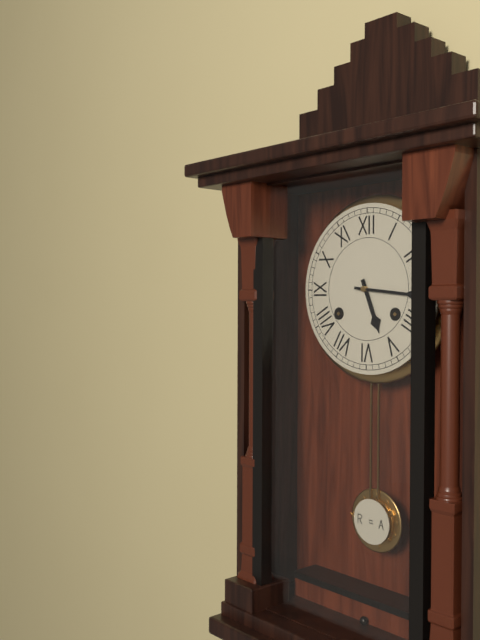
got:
**5:16**
